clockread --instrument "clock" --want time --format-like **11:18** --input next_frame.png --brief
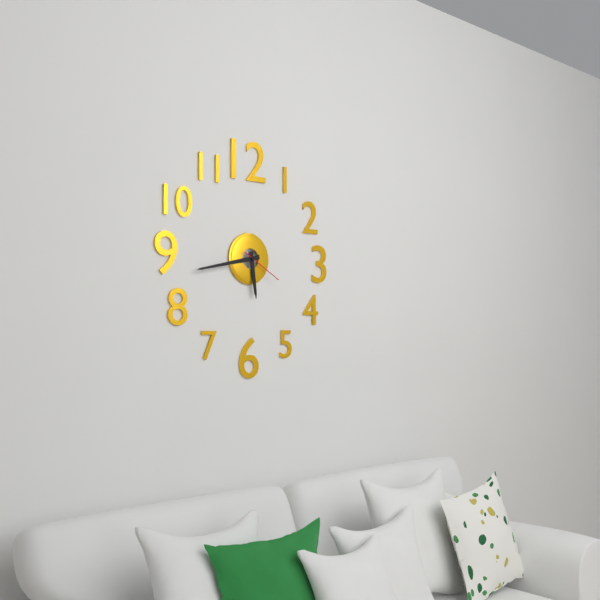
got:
**5:43**
